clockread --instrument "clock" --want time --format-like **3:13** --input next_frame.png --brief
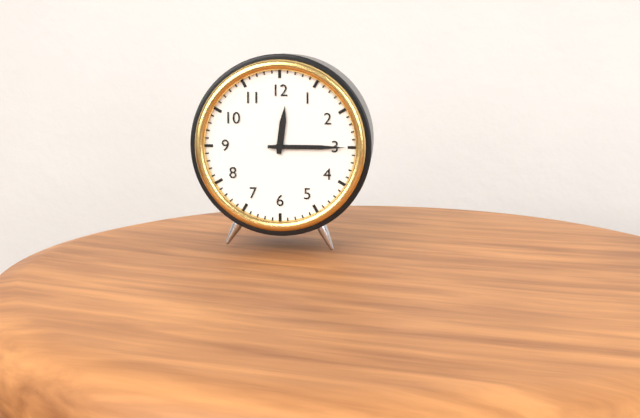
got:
**12:15**
